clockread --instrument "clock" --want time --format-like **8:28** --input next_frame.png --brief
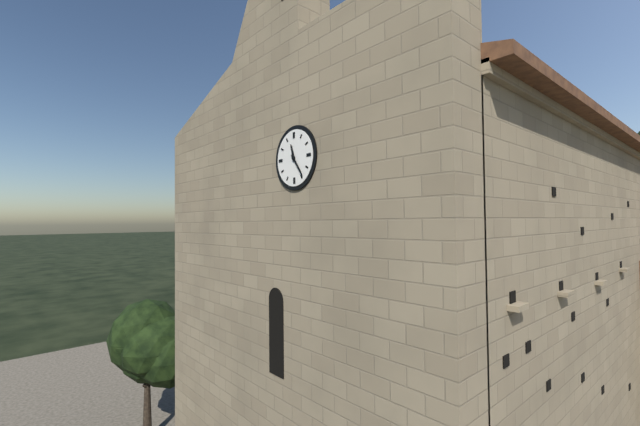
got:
**11:24**
